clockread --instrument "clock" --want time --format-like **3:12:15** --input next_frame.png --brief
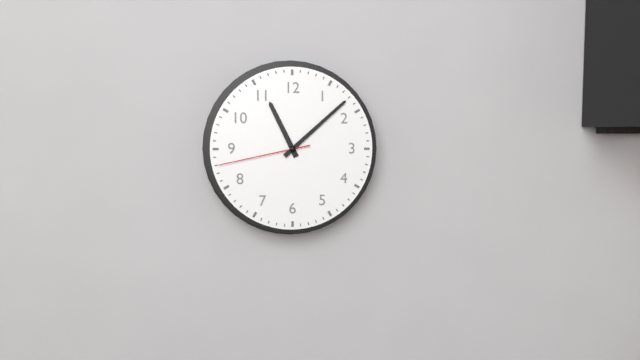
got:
**11:08:43**
